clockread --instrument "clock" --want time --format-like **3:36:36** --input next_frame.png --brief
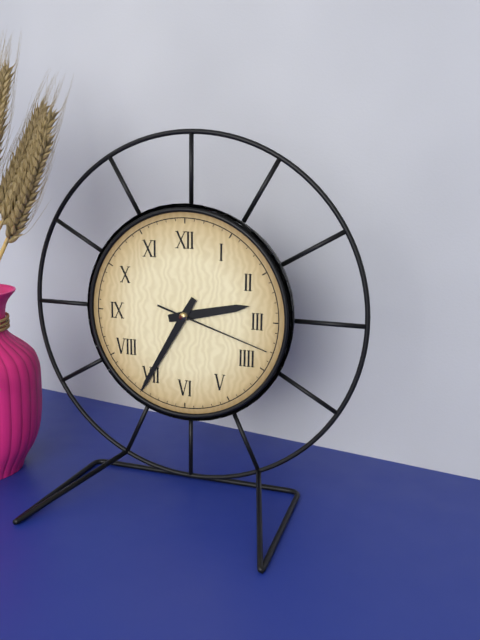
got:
**2:35:18**
